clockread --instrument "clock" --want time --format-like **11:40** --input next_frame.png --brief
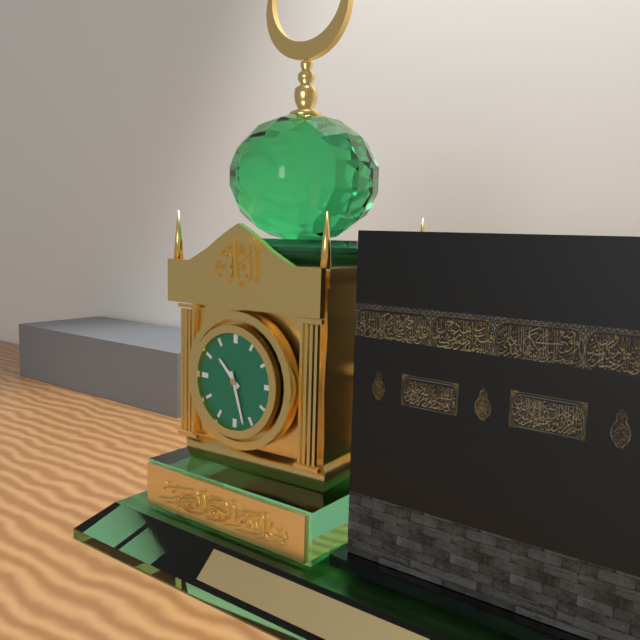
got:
**10:27**
